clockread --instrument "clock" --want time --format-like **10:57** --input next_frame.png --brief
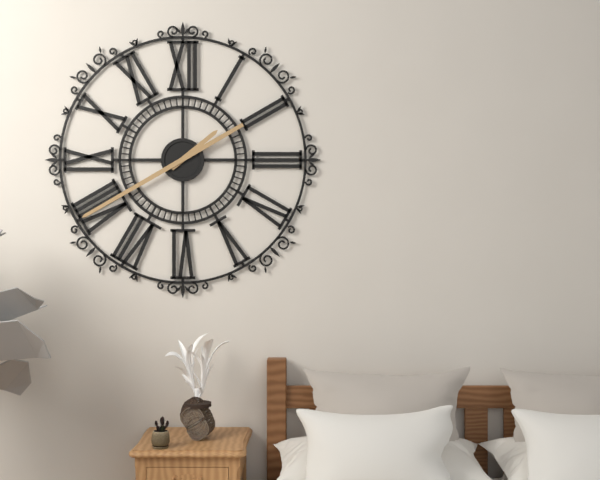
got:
**1:40**
